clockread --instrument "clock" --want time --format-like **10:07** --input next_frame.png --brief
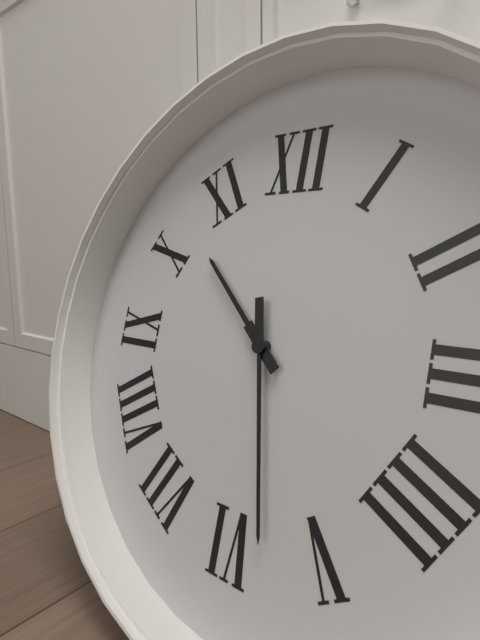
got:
**10:28**
